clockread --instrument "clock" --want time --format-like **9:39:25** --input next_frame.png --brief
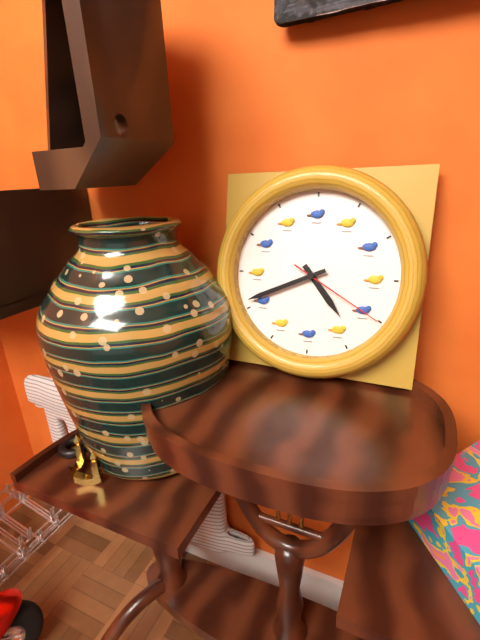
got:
**4:41:20**
